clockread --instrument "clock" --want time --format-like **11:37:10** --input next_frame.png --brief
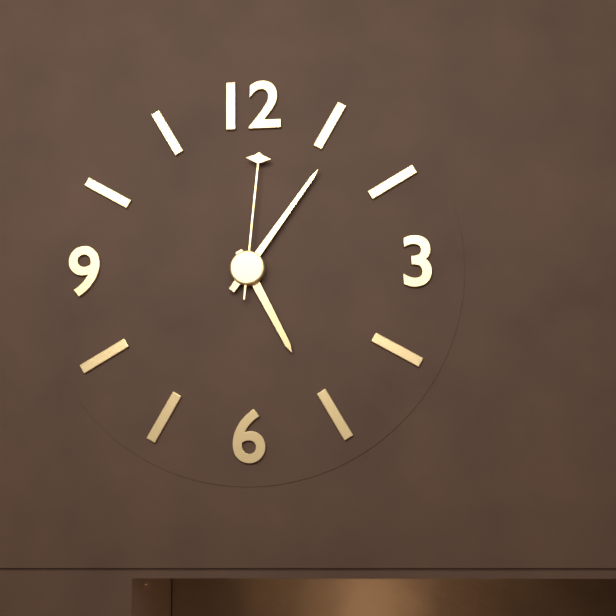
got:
**5:06:01**
